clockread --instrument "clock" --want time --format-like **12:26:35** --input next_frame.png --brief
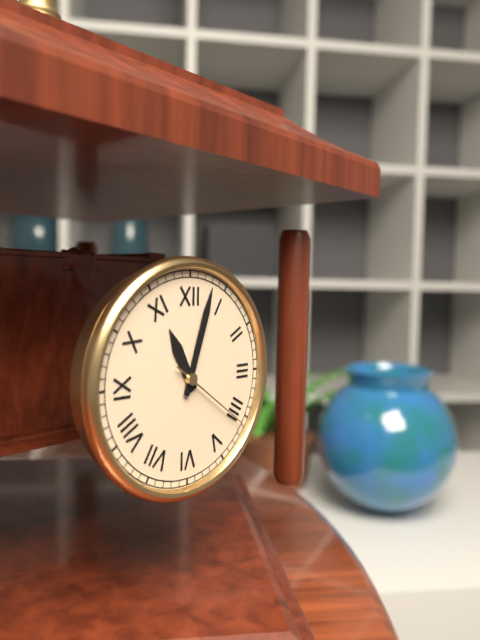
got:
**11:03:21**
